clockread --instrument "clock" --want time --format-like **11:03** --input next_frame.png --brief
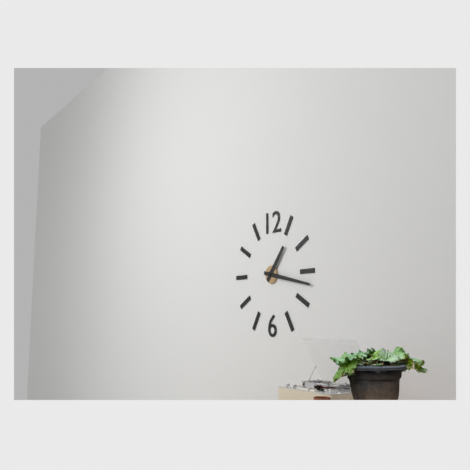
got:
**1:17**
